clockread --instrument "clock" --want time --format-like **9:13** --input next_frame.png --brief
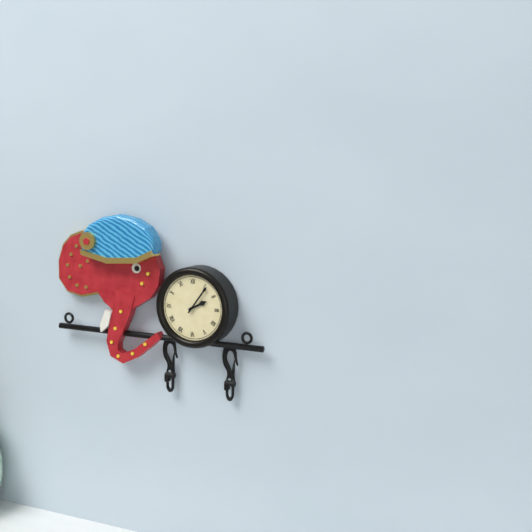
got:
**2:06**
